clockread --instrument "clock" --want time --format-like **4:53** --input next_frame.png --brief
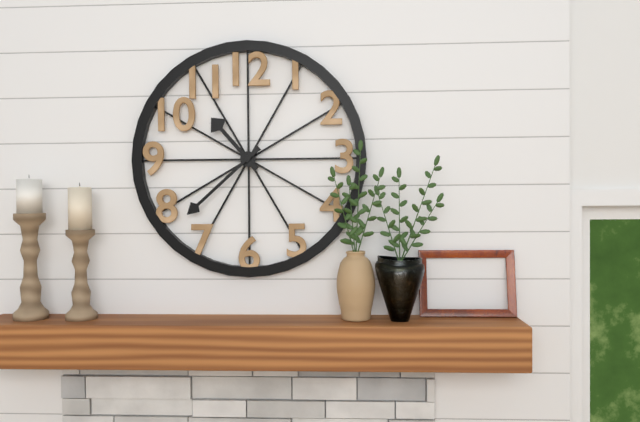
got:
**10:38**
